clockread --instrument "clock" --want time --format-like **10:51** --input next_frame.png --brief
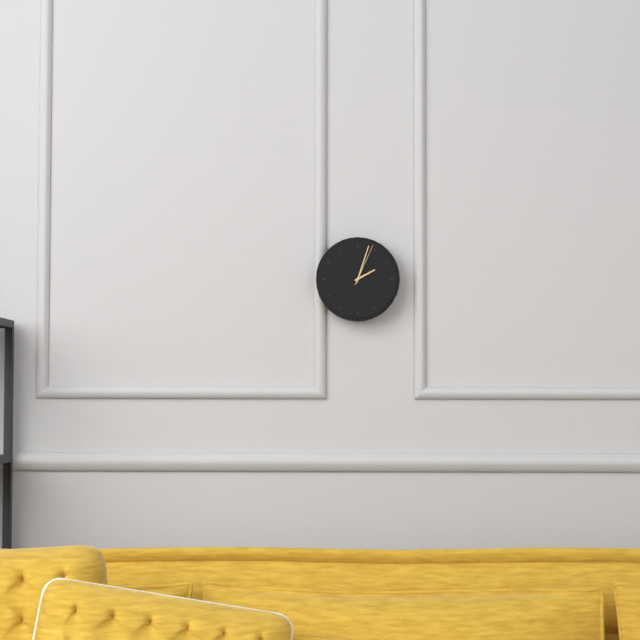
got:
**2:03**
